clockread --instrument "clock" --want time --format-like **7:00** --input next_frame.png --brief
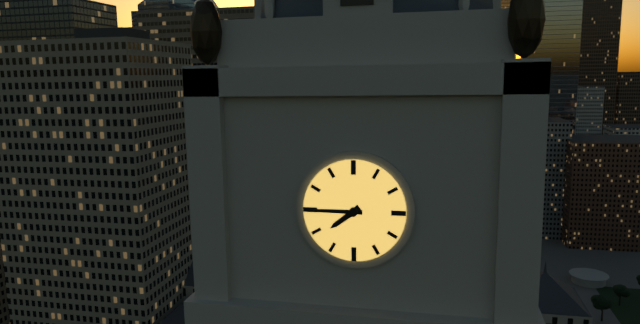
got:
**7:45**
